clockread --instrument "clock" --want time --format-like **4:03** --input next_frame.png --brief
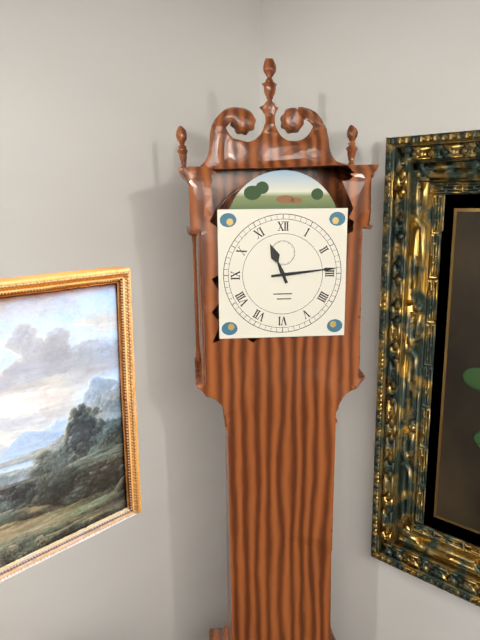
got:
**11:14**
